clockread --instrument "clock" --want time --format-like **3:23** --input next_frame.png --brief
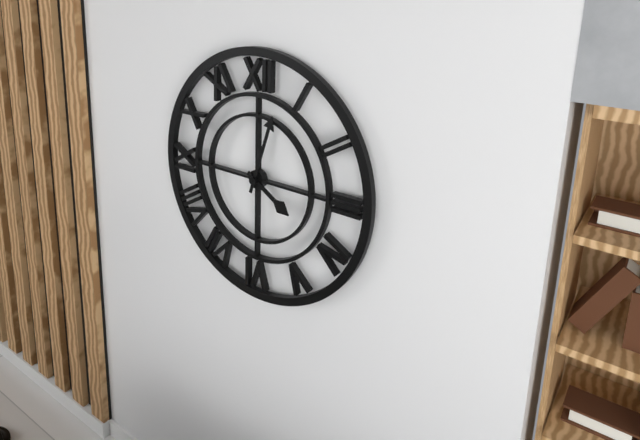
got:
**4:03**
